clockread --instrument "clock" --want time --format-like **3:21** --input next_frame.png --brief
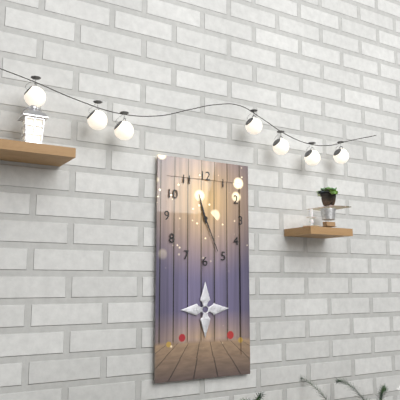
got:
**11:26**
